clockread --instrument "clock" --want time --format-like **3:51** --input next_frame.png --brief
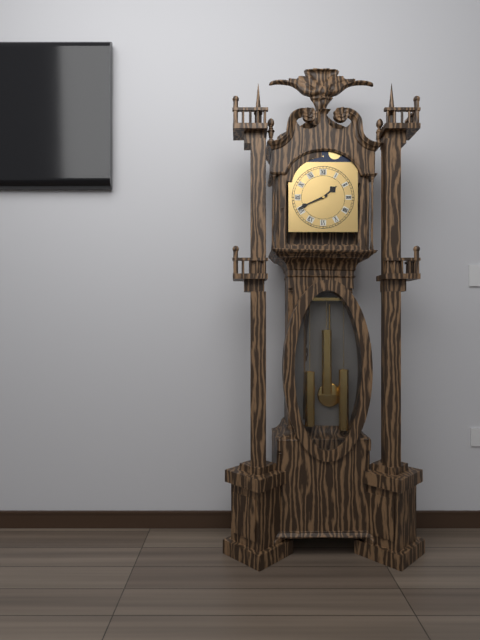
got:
**1:41**
